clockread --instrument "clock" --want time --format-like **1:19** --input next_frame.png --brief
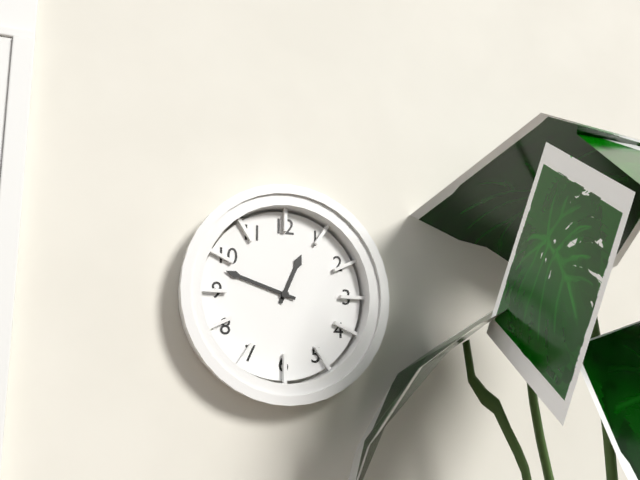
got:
**12:48**
